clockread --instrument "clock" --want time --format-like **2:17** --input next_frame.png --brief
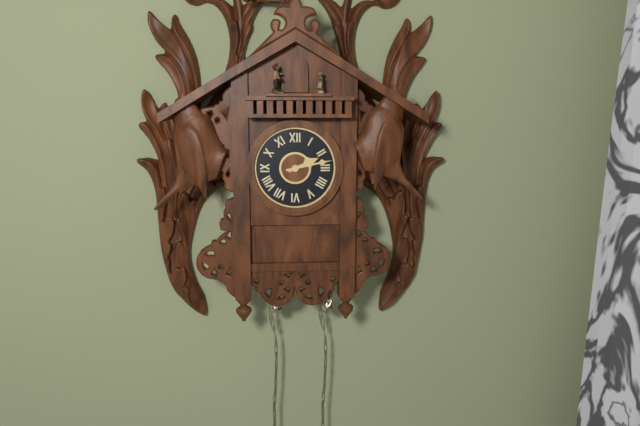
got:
**2:13**
